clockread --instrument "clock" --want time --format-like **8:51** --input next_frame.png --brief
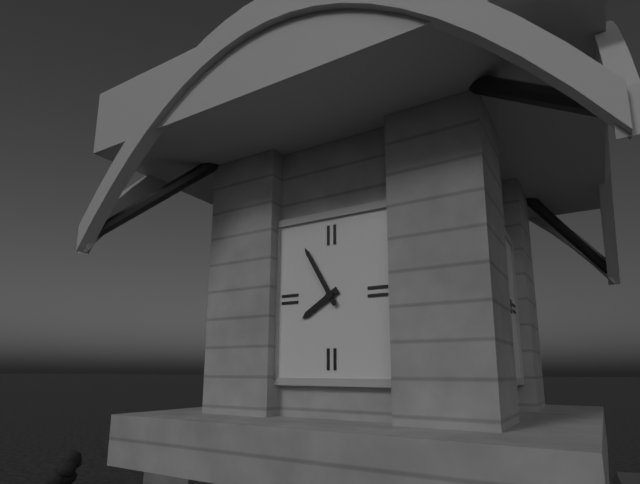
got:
**7:55**
